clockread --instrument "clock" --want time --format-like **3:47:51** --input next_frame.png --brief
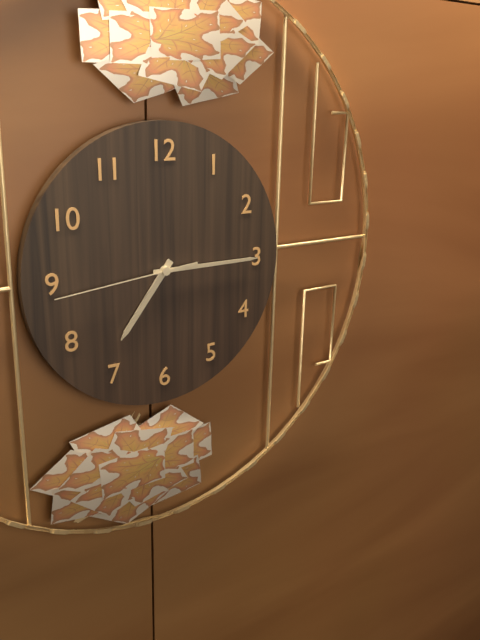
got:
**7:15:44**
